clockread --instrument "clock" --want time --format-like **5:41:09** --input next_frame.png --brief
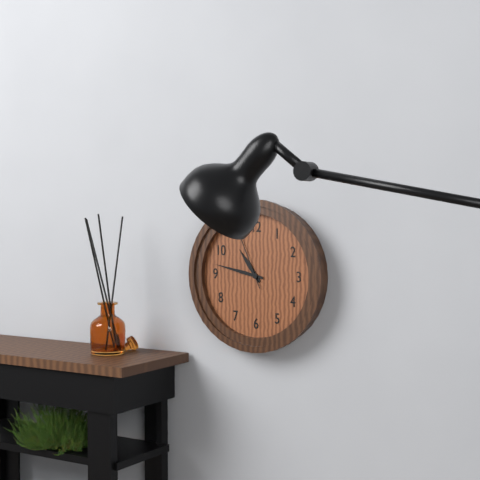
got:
**10:47:56**
